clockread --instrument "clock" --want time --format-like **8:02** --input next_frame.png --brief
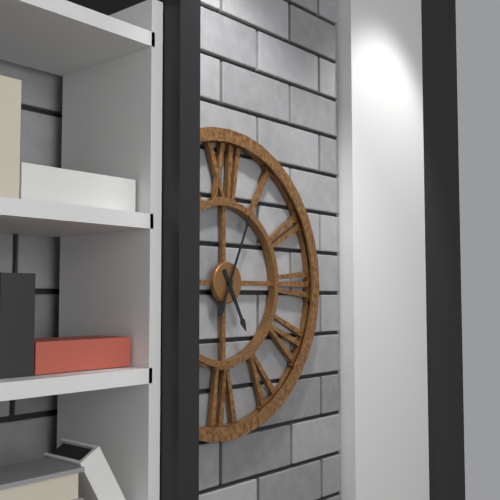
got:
**5:04**
